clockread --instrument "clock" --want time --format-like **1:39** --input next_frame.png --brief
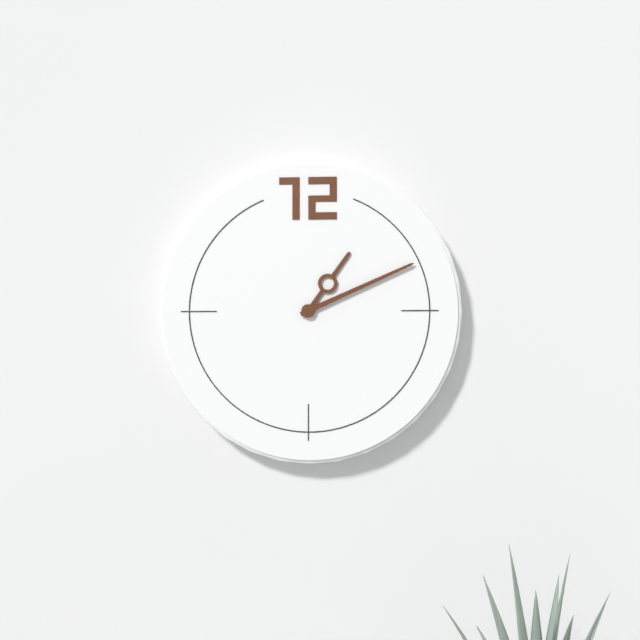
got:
**1:11**
